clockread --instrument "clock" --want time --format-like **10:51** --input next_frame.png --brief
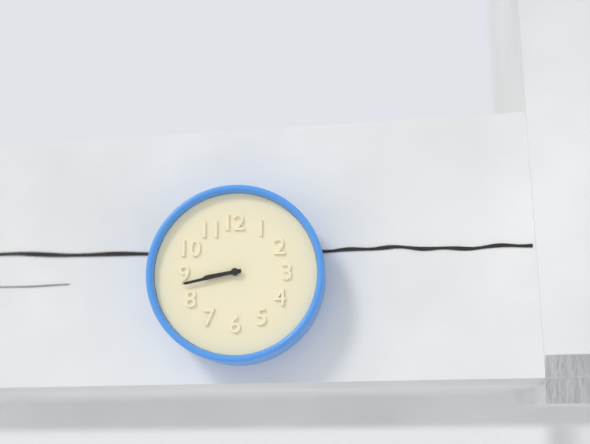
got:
**8:43**
